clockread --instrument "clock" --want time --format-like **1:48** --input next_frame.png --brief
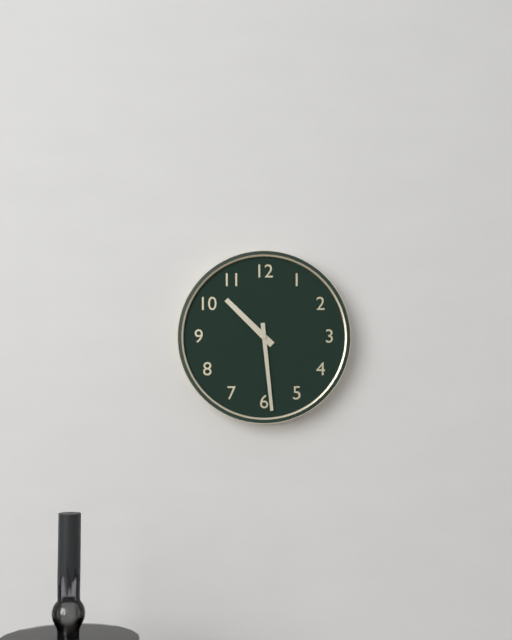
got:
**10:29**
